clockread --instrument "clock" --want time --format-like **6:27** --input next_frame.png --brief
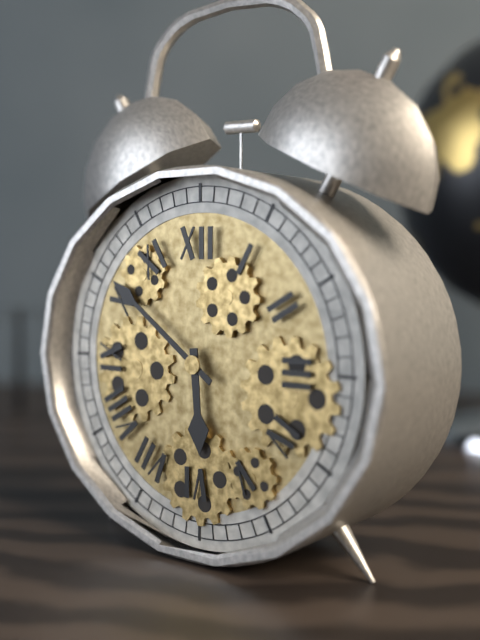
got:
**5:51**
